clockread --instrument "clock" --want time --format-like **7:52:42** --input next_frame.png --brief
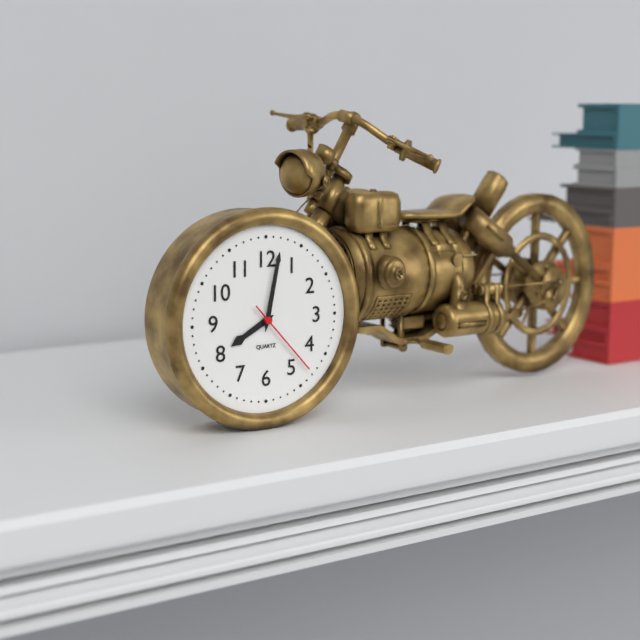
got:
**8:02:23**
